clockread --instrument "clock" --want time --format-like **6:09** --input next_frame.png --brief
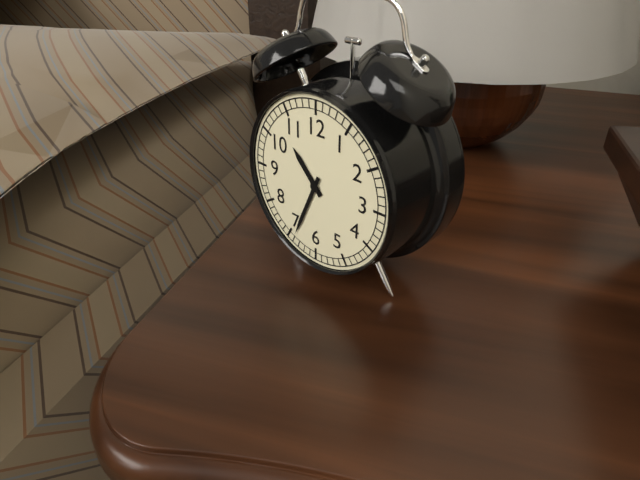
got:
**10:34**
